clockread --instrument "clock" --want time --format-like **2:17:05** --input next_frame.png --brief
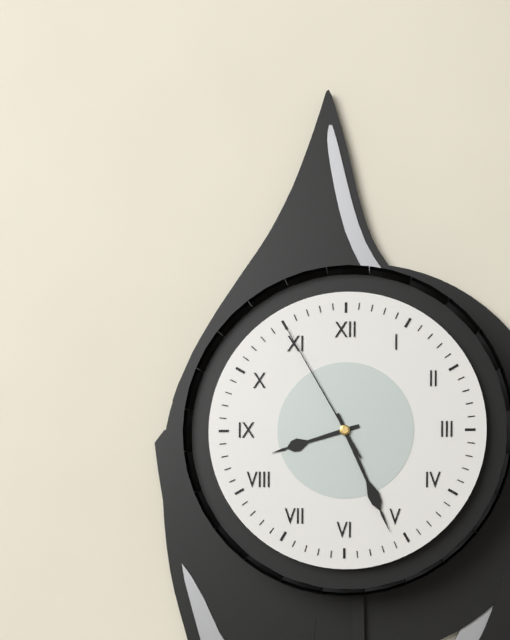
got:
**8:26:55**
